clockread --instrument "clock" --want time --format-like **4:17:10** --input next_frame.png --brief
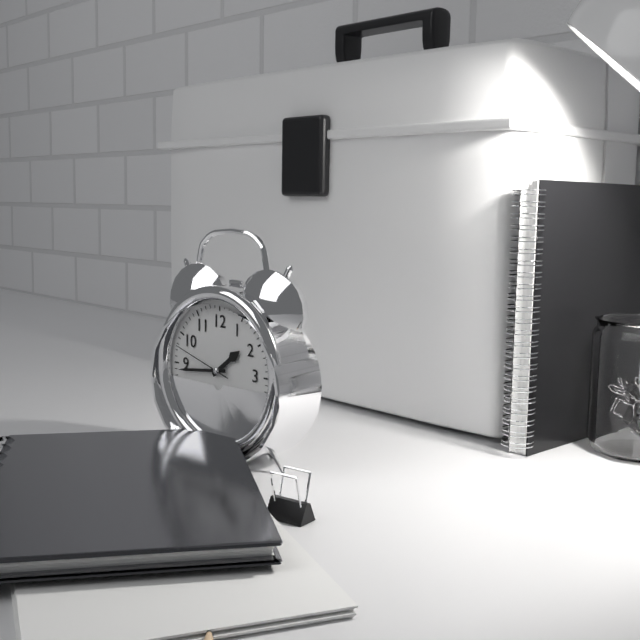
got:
**1:44:48**
